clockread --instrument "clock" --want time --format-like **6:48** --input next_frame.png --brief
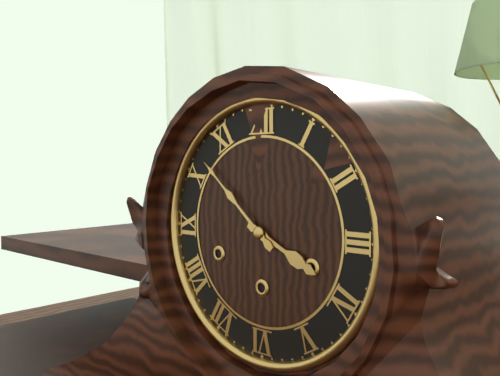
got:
**3:52**
